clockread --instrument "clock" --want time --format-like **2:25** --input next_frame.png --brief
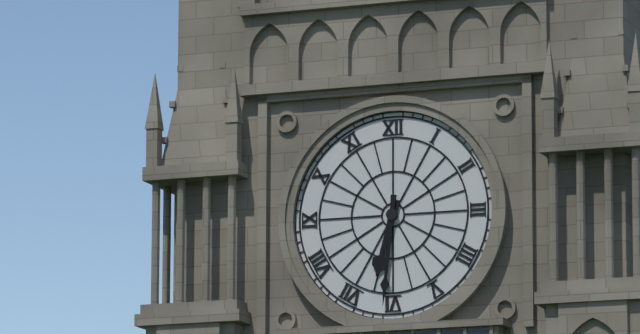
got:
**6:31**
